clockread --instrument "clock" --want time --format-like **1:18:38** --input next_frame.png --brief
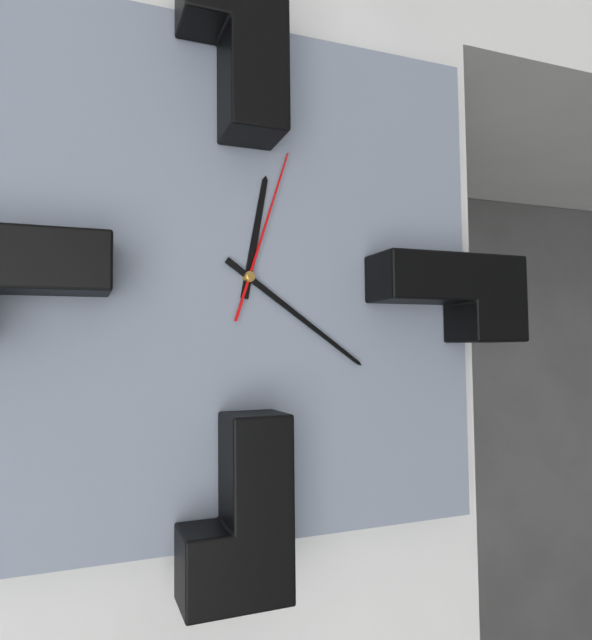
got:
**12:21:03**
